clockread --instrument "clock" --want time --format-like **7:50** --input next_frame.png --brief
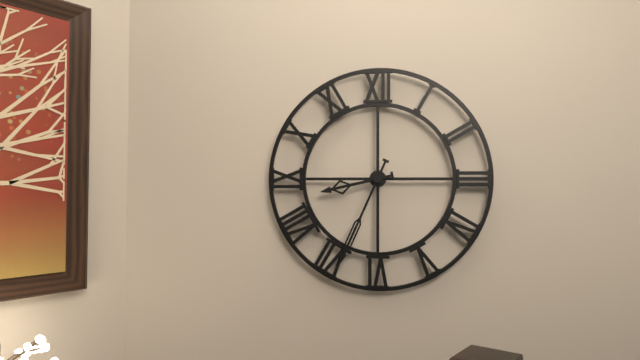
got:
**8:34**
